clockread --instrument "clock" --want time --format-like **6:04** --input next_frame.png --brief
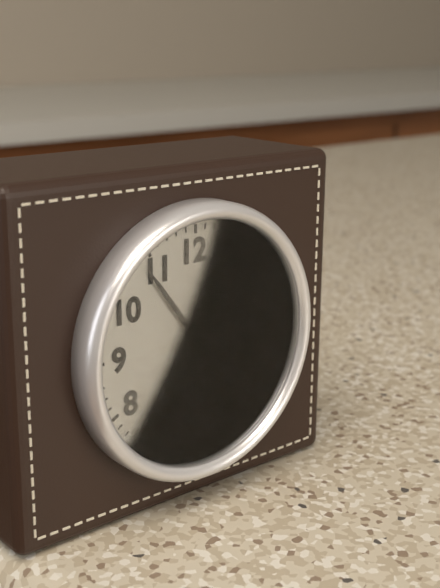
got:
**12:54**
